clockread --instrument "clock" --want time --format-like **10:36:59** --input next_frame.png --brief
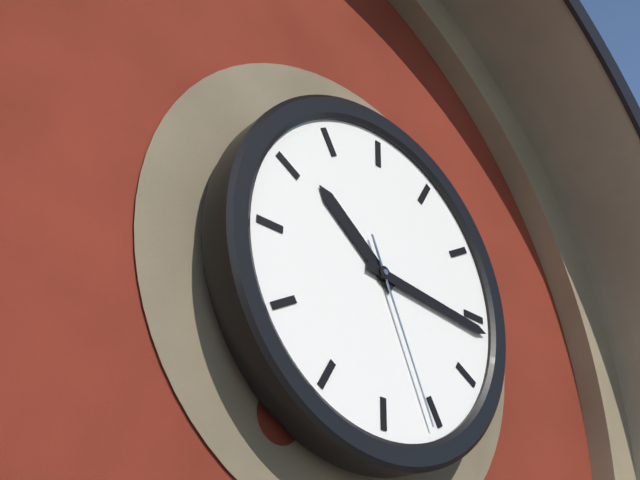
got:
**10:16:26**
